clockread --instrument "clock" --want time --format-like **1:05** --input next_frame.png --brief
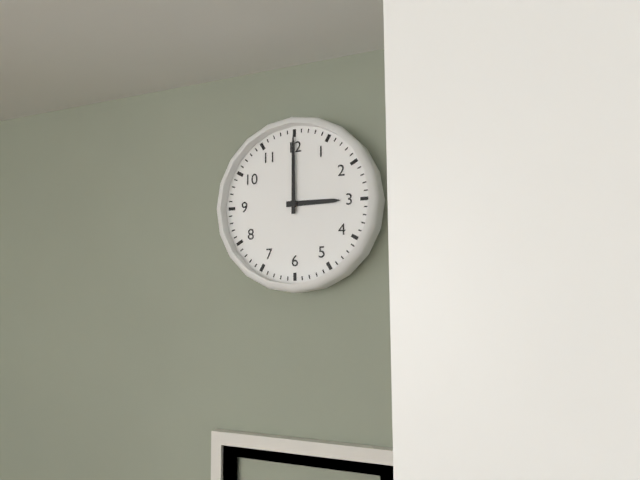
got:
**3:00**
